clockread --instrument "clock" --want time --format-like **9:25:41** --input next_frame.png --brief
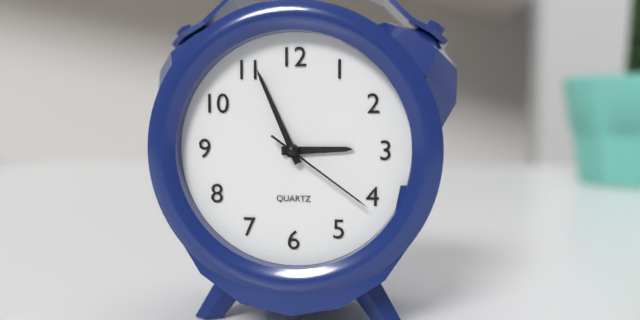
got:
**2:56:21**
